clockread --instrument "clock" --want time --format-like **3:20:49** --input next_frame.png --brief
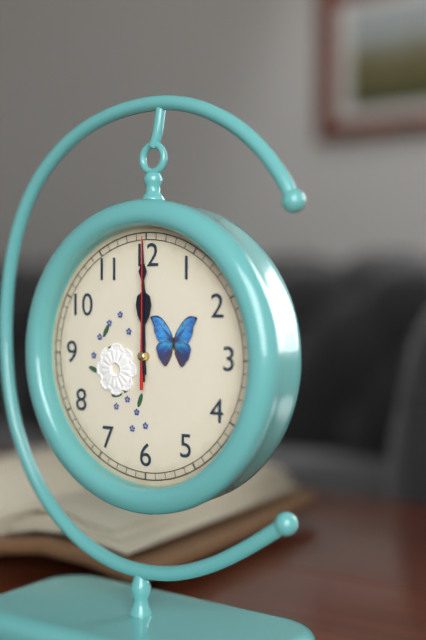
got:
**12:00:00**
